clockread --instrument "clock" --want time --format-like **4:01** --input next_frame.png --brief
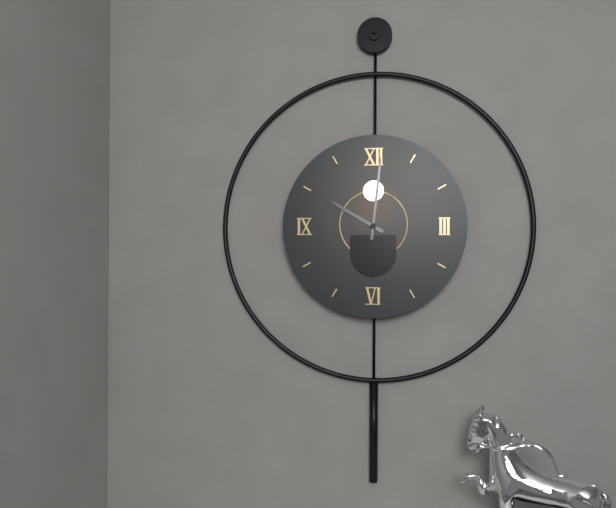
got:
**10:01**
